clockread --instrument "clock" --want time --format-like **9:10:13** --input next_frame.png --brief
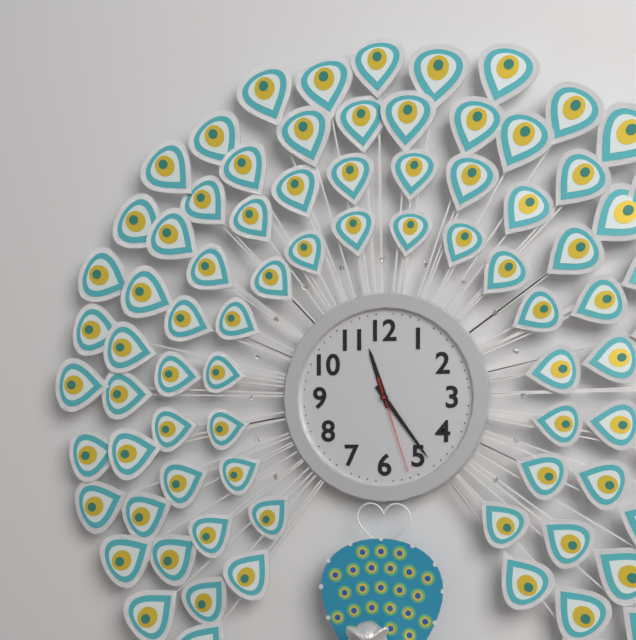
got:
**11:24:27**
